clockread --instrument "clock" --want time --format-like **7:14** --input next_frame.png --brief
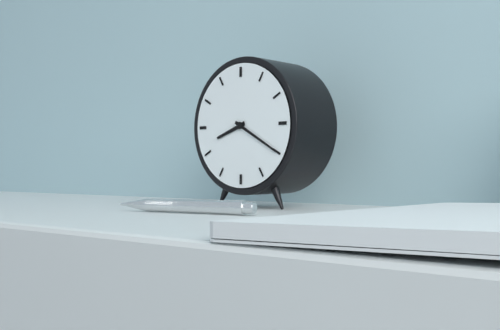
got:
**8:20**
